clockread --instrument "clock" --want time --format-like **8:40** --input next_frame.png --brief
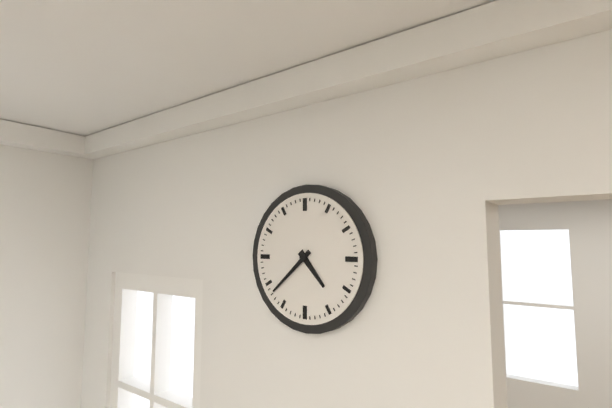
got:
**4:38**
